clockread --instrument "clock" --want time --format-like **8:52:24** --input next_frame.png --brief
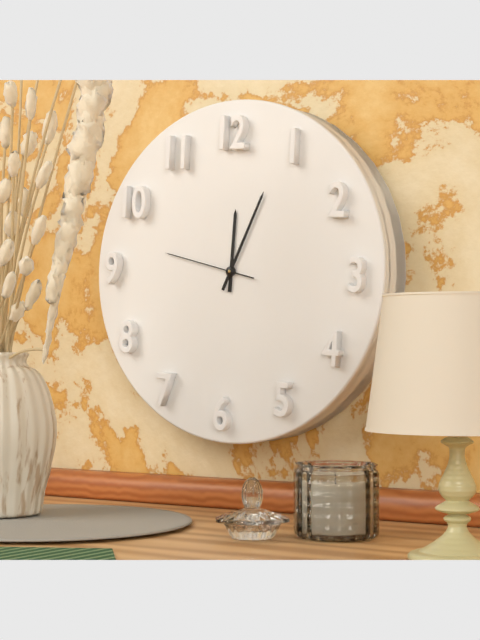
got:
**12:04:47**
